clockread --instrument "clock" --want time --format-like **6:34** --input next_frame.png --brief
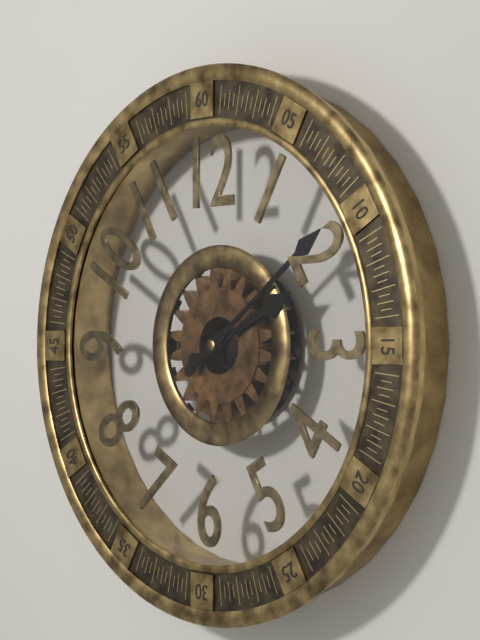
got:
**2:09**
